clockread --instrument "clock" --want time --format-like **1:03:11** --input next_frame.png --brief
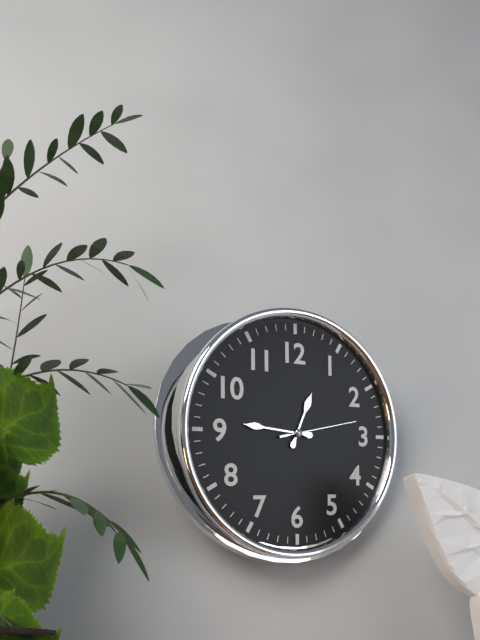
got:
**12:46:13**
